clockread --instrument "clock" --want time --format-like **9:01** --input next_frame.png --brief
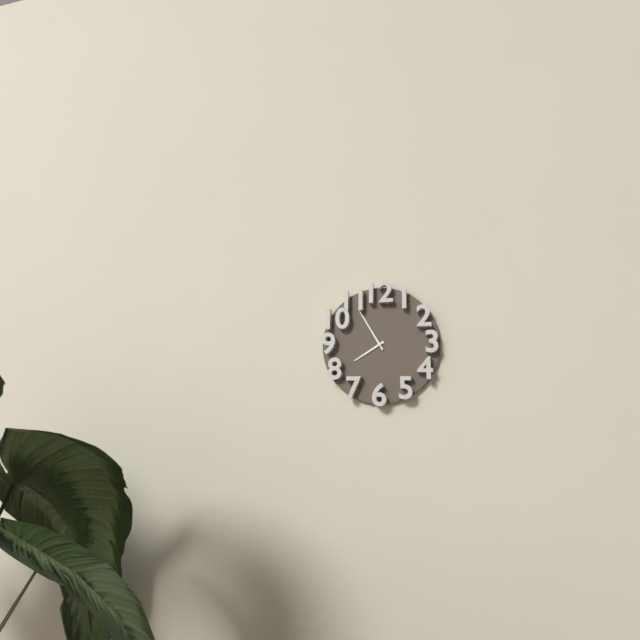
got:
**7:55**
